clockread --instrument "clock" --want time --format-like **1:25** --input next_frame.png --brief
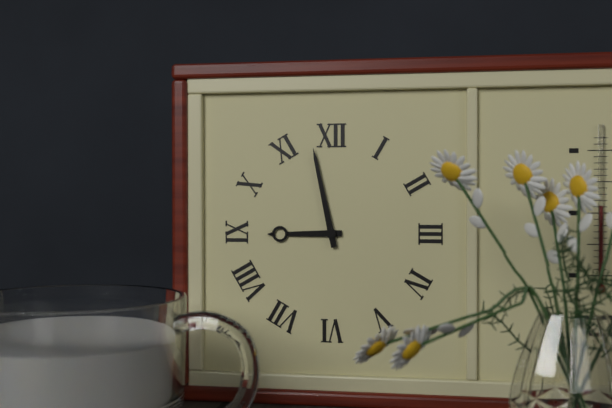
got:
**8:58**
